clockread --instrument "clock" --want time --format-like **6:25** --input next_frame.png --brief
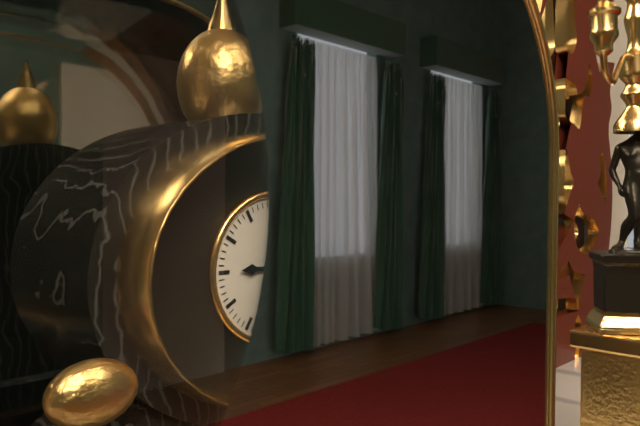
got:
**9:02**
